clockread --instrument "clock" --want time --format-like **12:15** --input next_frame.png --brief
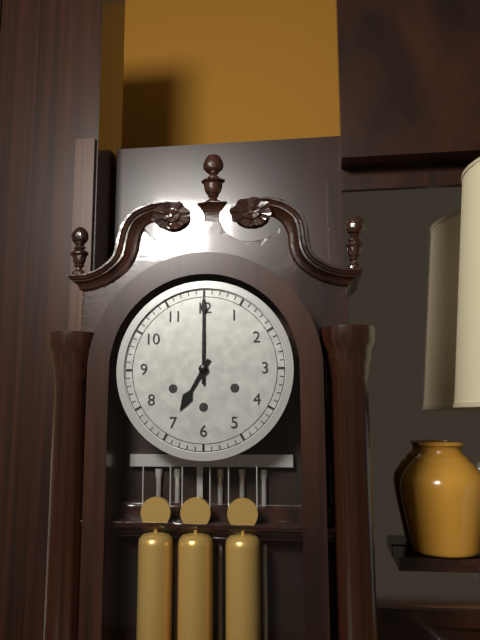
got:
**7:00**
